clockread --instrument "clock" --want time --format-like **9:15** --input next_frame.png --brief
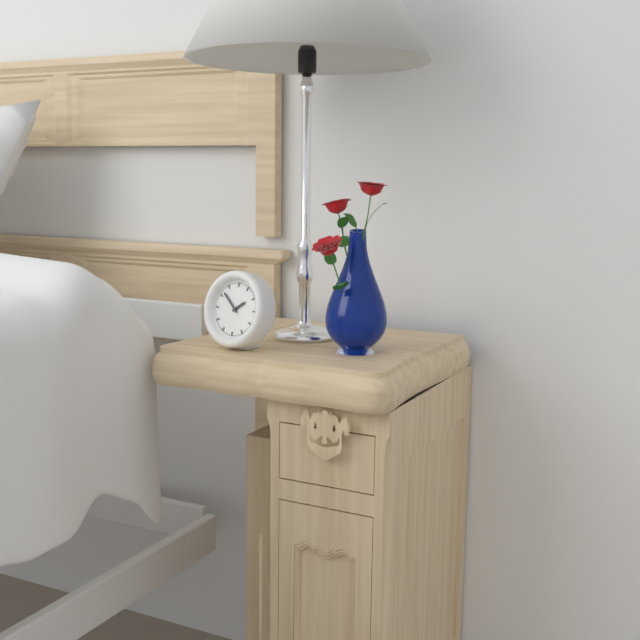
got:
**1:52**
